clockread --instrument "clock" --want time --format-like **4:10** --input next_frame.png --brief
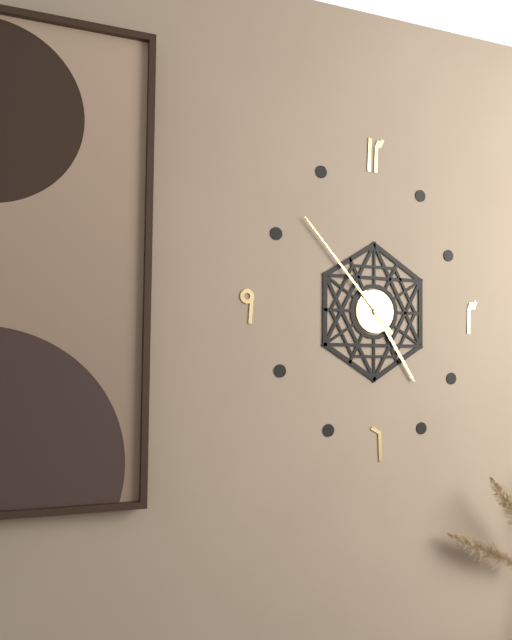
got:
**4:53**
